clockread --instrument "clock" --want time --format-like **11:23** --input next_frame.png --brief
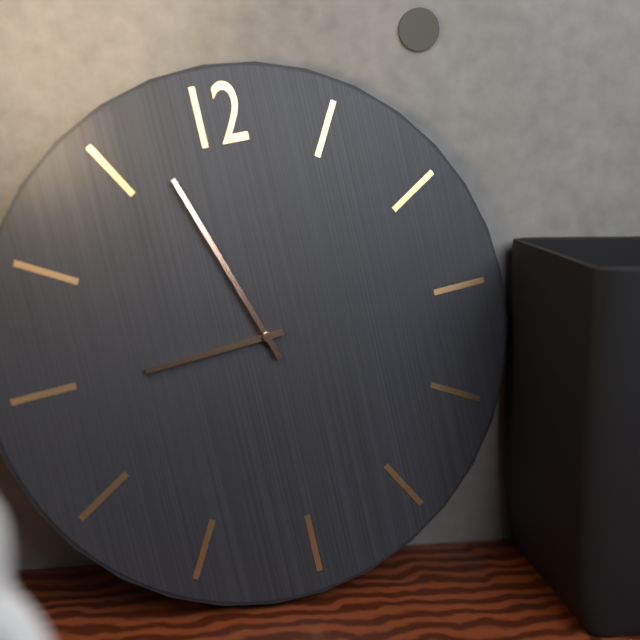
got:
**8:57**
